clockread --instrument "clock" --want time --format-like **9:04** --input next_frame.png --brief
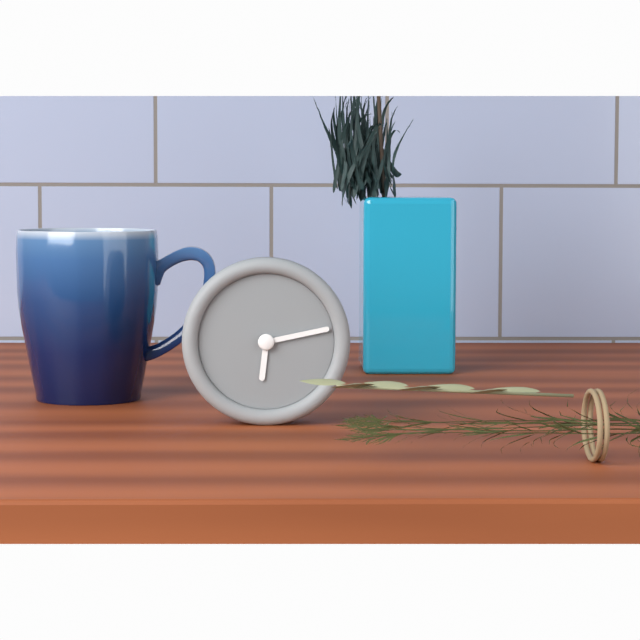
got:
**6:13**
